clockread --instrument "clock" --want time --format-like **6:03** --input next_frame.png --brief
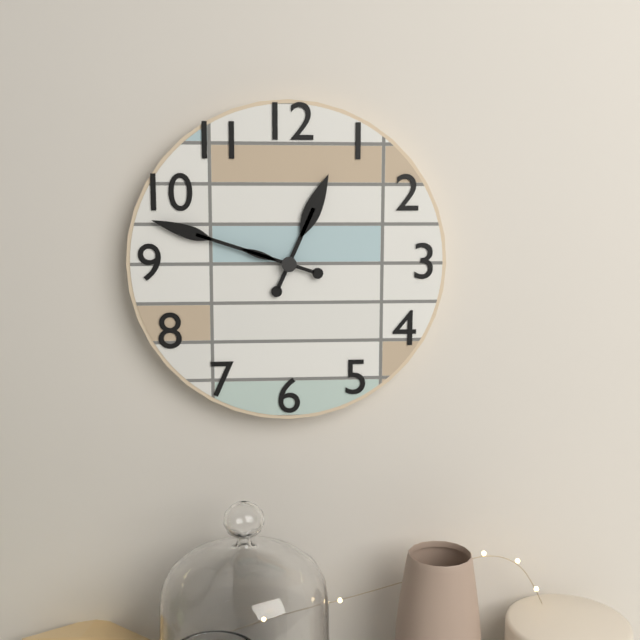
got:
**12:48**
